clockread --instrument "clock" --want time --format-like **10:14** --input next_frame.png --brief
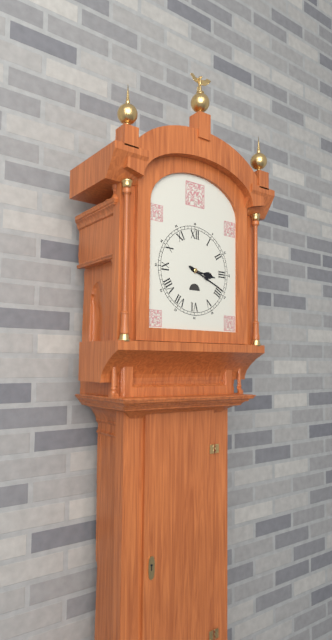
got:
**3:19**
